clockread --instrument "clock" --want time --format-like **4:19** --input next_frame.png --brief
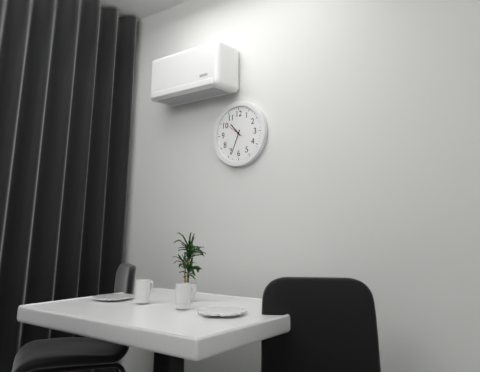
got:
**10:34**
